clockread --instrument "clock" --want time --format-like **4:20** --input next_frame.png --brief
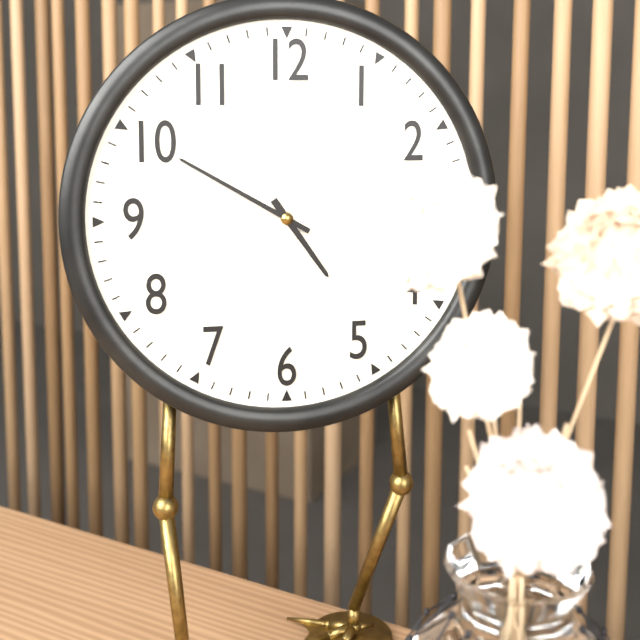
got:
**4:50**
